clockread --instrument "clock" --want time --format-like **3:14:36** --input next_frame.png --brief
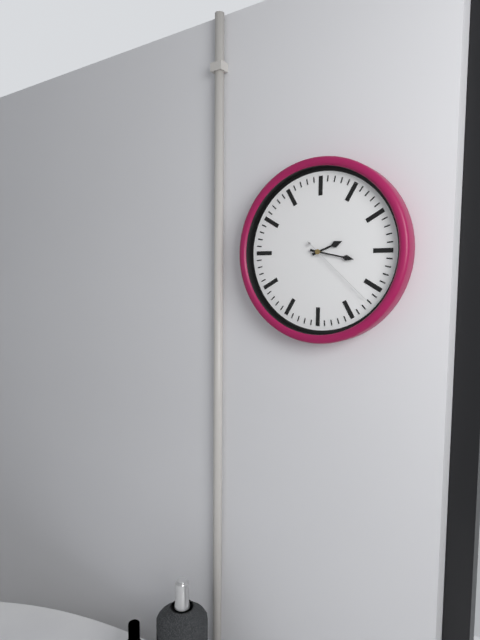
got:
**2:17:22**
